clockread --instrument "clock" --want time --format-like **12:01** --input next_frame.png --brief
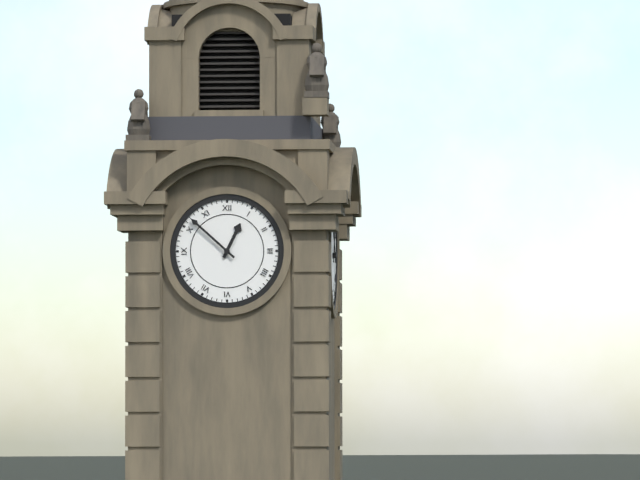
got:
**12:52**
